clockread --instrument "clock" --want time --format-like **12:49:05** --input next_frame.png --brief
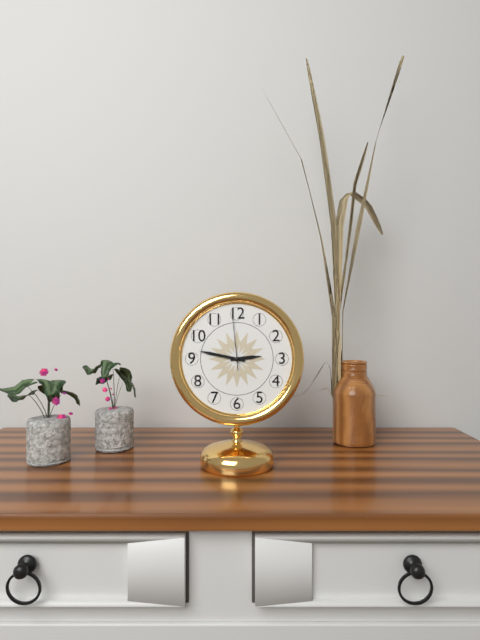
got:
**2:47:59**
